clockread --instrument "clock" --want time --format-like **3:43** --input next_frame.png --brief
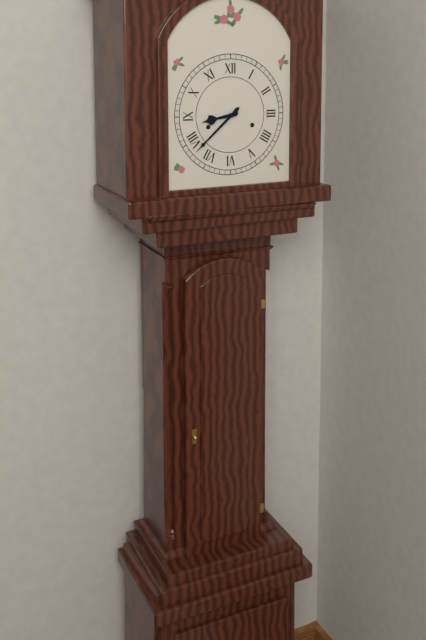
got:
**8:38**
